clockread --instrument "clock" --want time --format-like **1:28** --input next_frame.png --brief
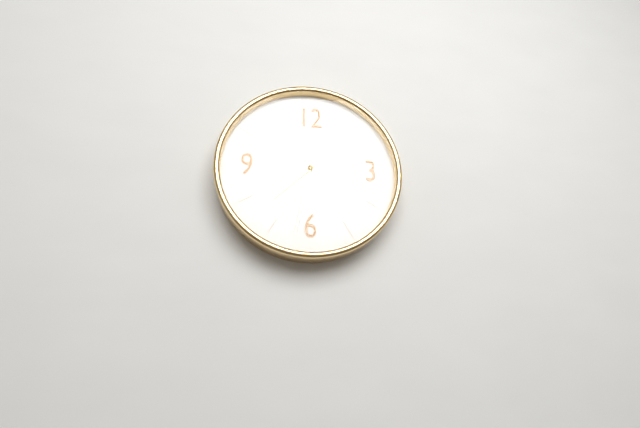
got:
**7:32**
